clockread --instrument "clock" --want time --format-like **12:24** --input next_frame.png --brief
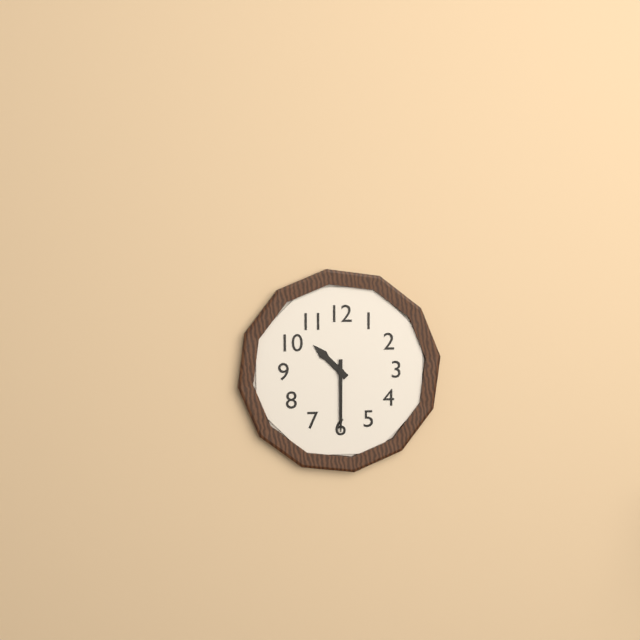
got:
**10:30**
